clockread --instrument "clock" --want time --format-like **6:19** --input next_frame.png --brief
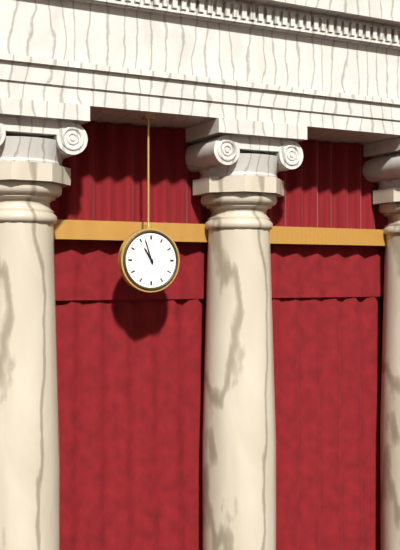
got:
**10:57**
